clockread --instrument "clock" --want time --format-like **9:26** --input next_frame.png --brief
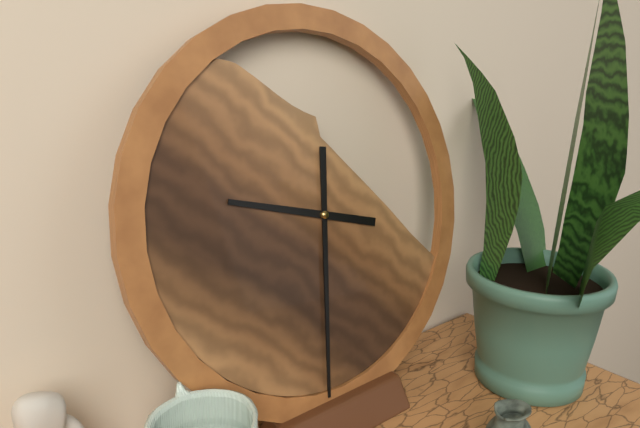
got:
**9:31**
